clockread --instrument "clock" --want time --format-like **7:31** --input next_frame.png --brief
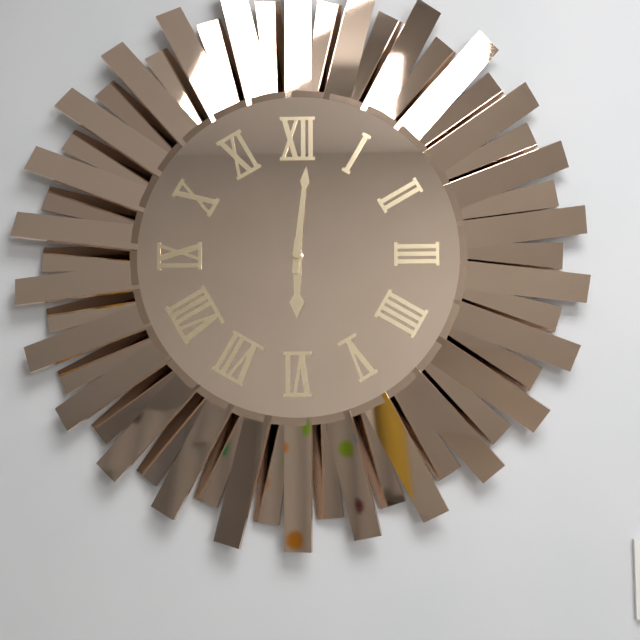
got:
**6:01**
